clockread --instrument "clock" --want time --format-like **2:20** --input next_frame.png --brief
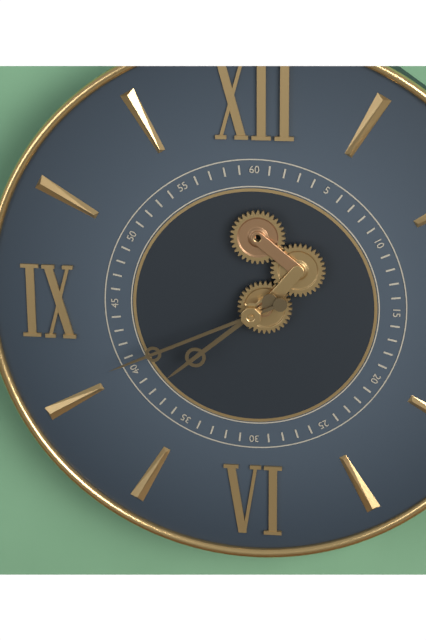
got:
**7:41**
